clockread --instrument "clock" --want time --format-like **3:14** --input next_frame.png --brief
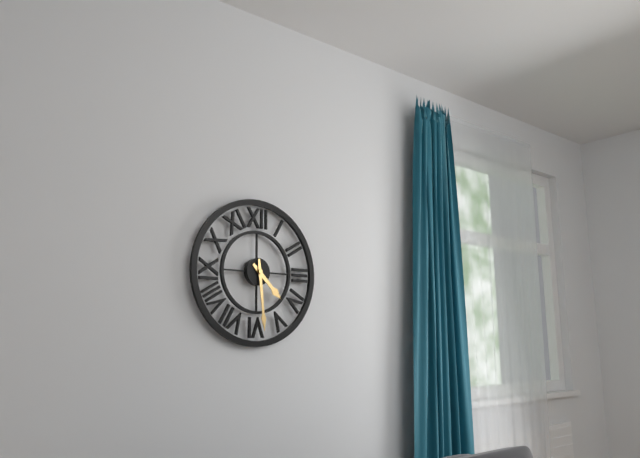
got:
**4:29**
